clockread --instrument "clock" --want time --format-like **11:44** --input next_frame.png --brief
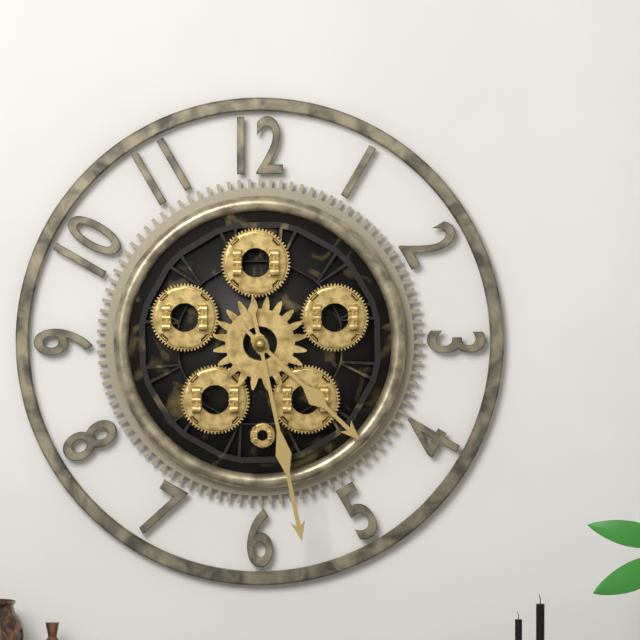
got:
**4:28**
